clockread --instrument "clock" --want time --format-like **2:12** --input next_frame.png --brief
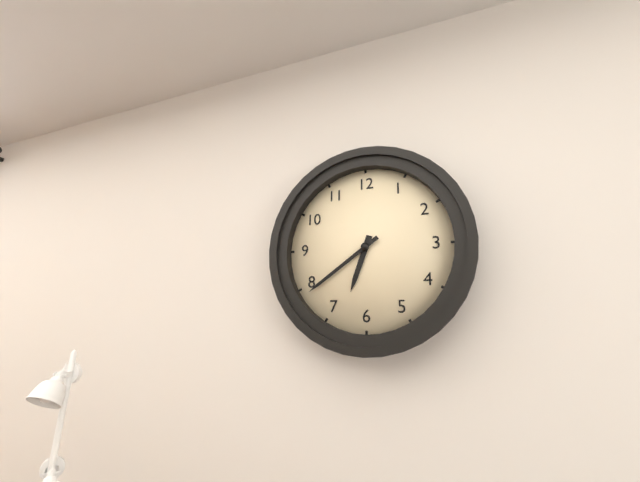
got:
**6:39**
